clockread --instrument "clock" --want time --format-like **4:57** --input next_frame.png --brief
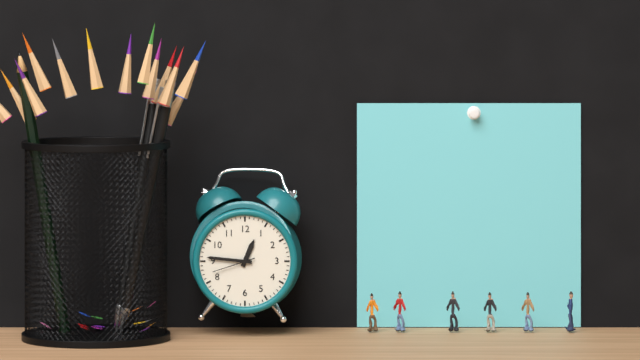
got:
**12:46**
